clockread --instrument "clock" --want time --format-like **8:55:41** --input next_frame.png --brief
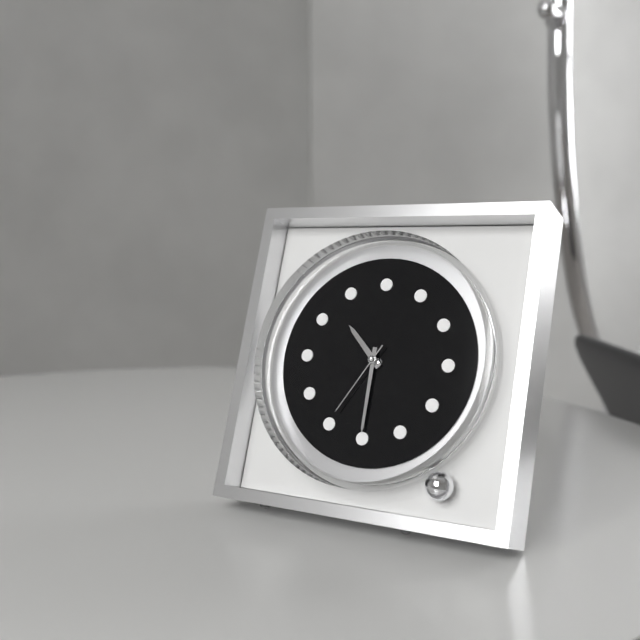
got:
**10:30:35**
